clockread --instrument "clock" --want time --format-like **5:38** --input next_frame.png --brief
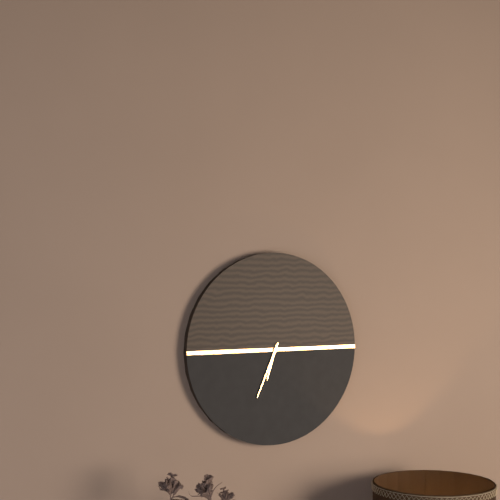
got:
**6:34**
